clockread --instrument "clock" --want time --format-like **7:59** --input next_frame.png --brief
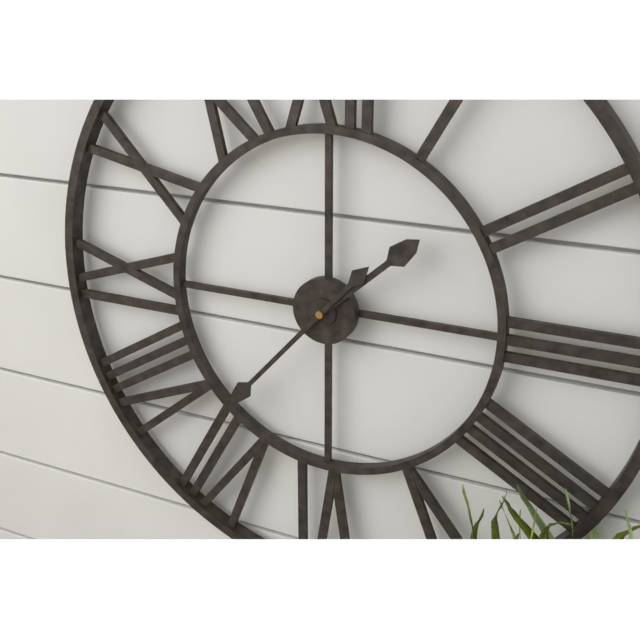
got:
**1:37**
